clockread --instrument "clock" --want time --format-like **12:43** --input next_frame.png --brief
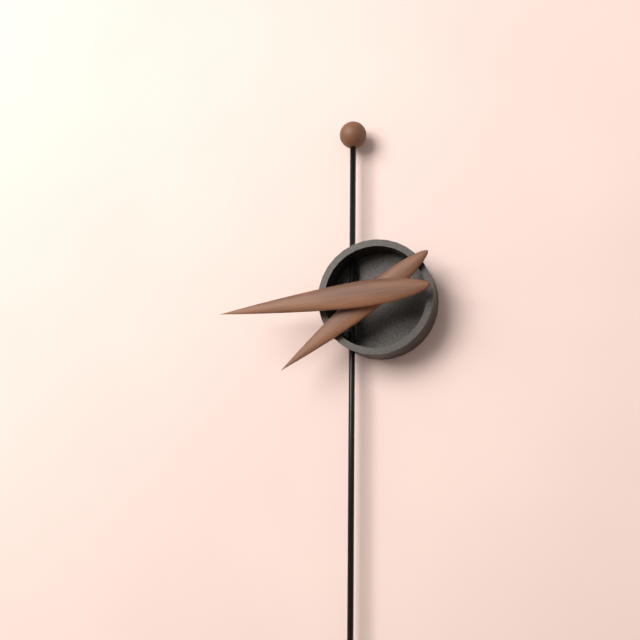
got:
**7:44**
